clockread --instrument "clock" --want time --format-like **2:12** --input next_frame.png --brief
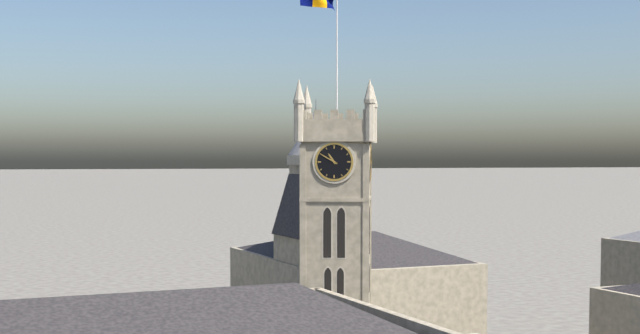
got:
**10:50**
